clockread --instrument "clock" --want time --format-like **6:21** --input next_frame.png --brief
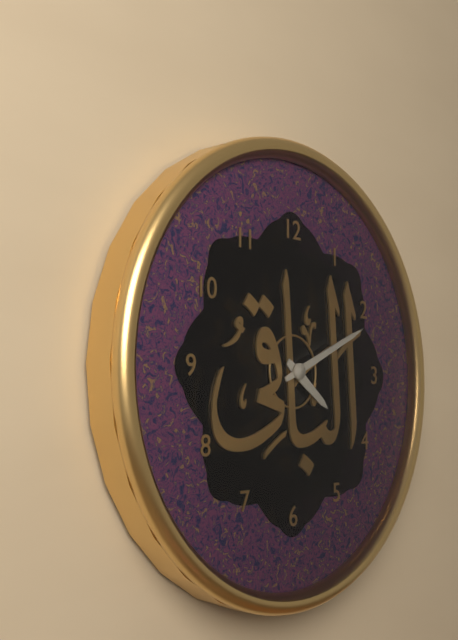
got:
**4:11**
